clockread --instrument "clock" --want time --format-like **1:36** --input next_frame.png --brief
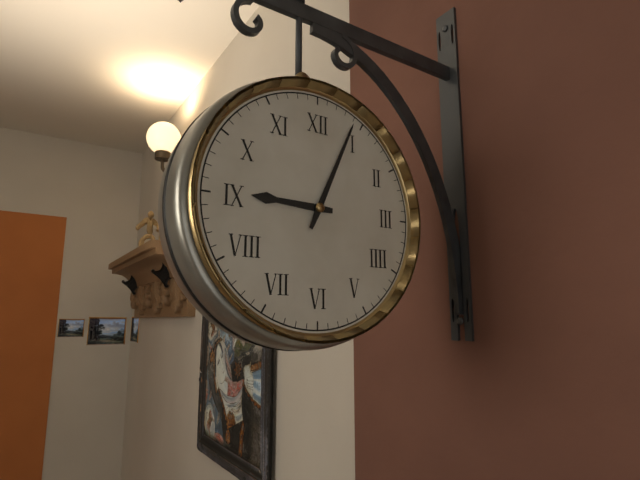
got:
**9:04**
